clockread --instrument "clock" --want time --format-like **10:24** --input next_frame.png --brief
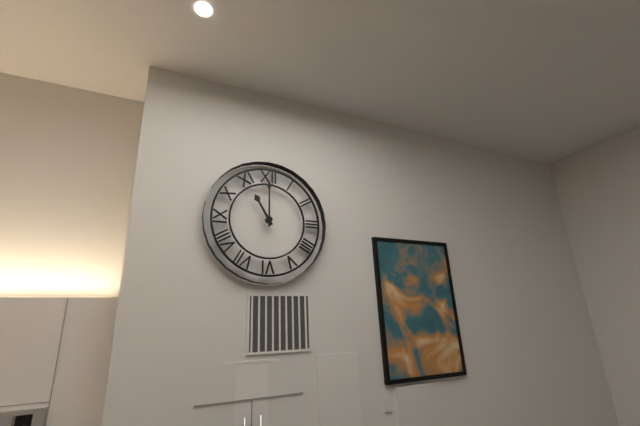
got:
**11:00**
